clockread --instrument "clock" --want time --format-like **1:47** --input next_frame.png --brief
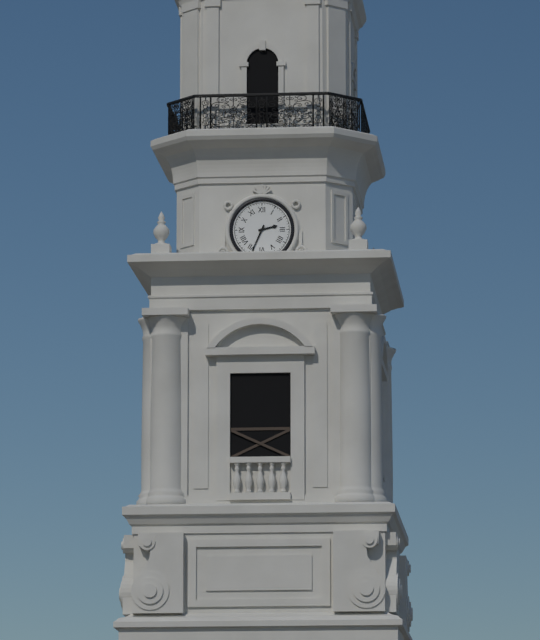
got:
**2:34**
